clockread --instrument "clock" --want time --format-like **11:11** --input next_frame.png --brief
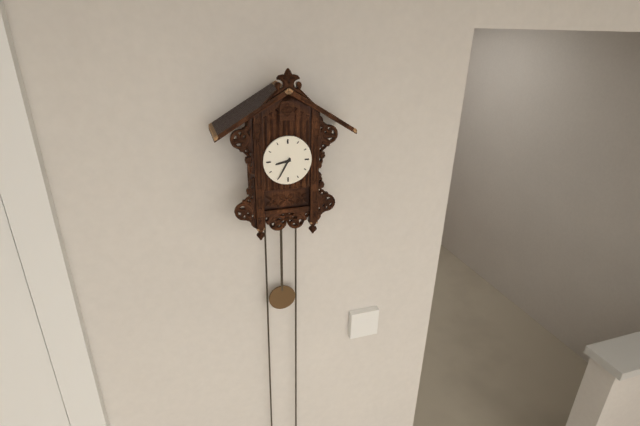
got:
**8:35**
